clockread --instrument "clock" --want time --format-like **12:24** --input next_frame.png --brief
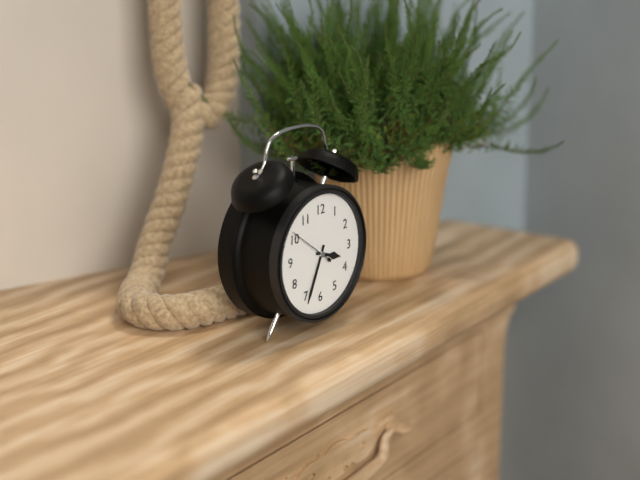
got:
**3:34**
